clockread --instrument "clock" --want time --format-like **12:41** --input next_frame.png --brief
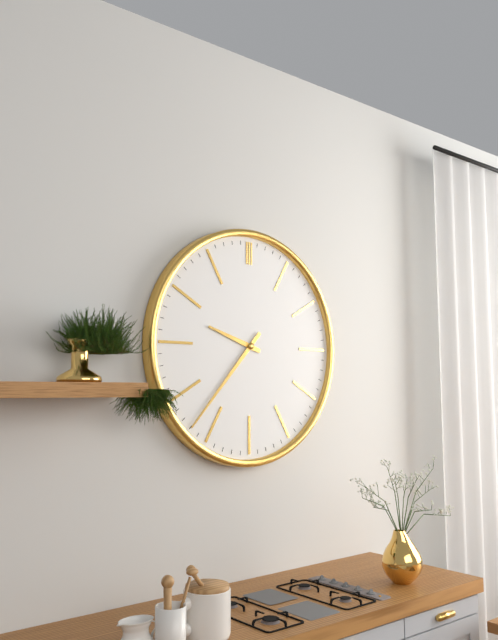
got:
**9:37**
